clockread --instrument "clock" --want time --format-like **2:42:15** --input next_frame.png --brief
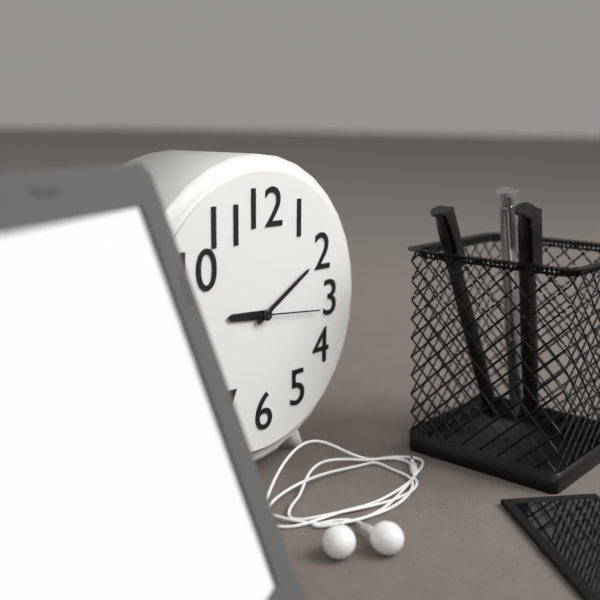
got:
**9:10:16**
